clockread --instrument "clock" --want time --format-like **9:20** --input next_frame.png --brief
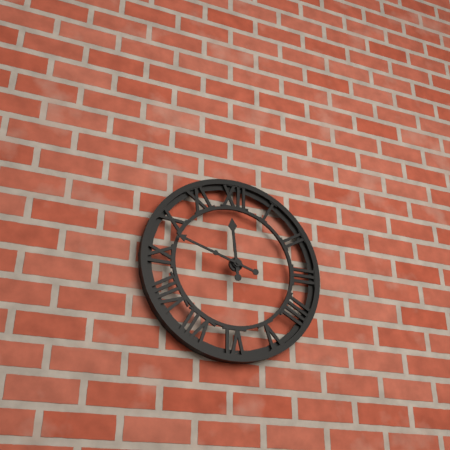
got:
**11:48**
